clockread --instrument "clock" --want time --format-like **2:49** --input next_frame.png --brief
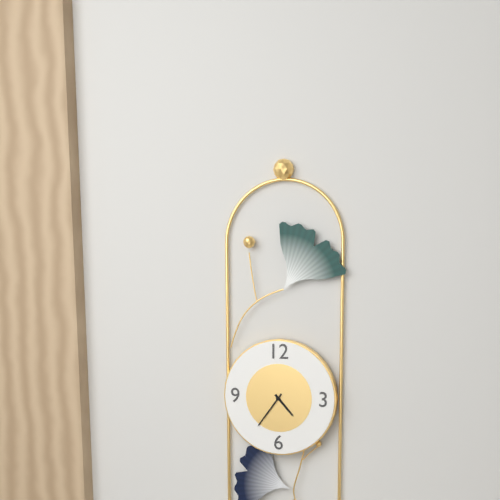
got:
**4:36**
